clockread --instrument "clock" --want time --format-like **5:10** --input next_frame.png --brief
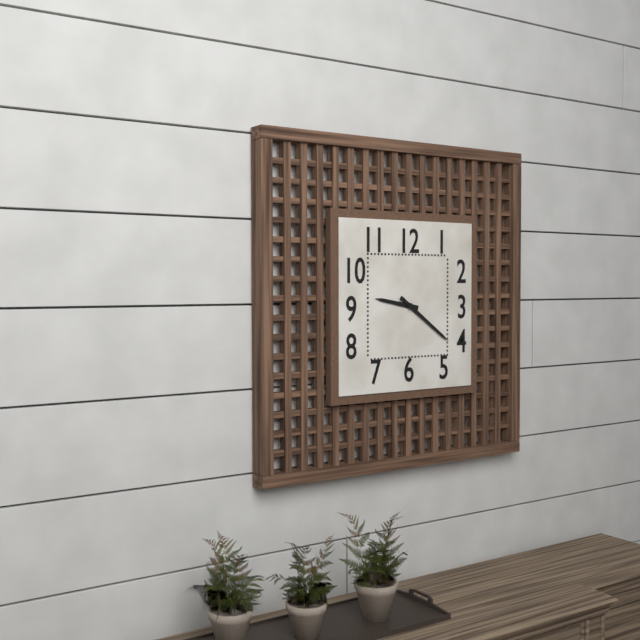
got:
**9:21**
